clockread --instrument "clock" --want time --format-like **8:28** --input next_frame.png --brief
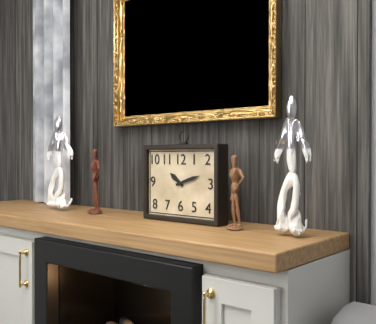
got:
**10:12**
